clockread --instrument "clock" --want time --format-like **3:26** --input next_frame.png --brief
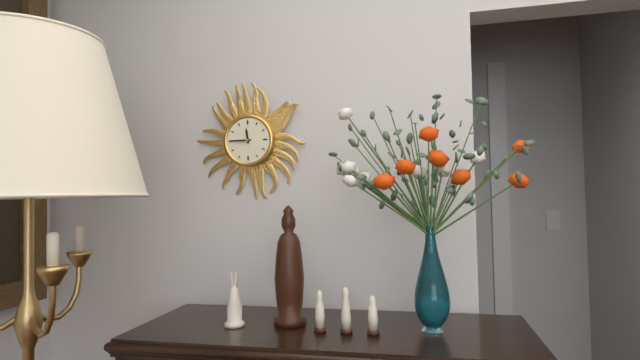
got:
**11:45**
